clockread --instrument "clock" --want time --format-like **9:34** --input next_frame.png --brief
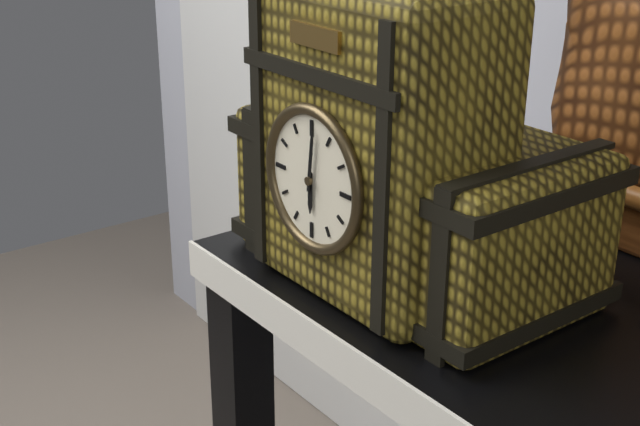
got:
**6:01**
